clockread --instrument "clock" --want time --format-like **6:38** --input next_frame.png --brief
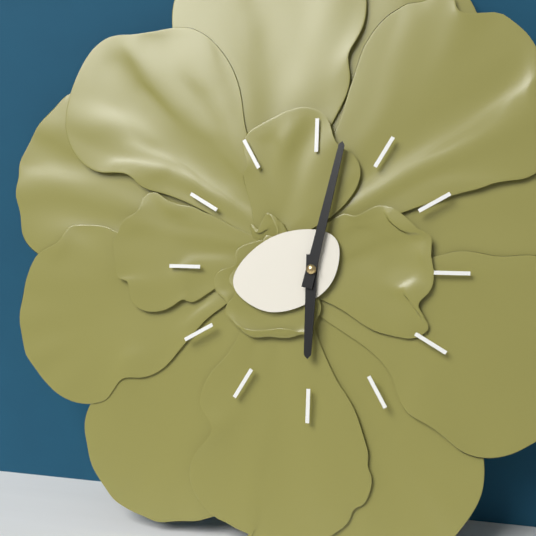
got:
**6:02**
